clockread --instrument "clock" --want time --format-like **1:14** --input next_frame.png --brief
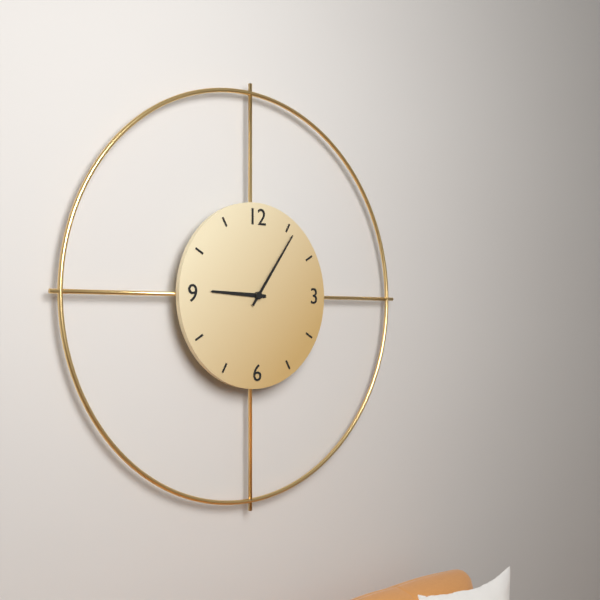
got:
**9:06**
